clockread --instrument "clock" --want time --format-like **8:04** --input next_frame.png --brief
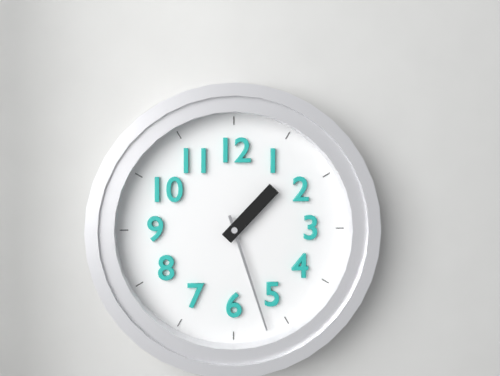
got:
**1:27**
